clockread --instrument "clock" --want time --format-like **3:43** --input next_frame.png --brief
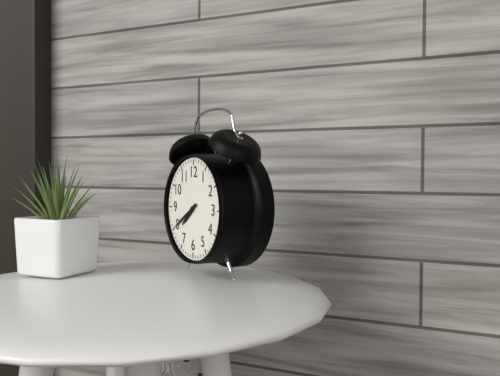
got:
**7:40**
